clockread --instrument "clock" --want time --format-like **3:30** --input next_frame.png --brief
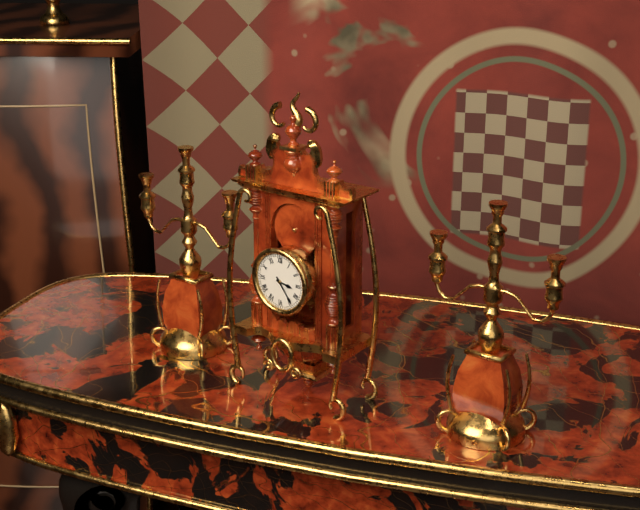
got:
**3:24**
